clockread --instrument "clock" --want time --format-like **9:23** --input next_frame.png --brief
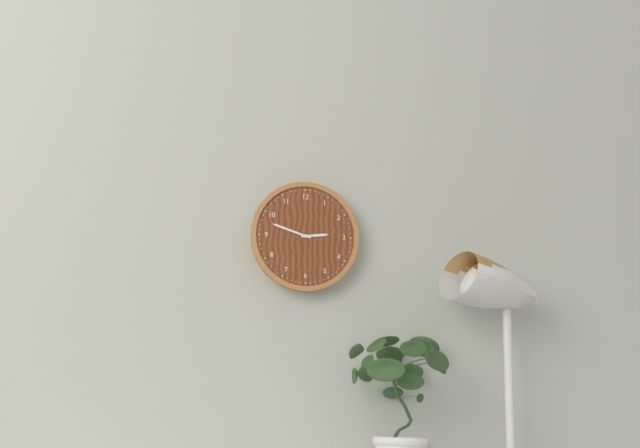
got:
**2:48**
